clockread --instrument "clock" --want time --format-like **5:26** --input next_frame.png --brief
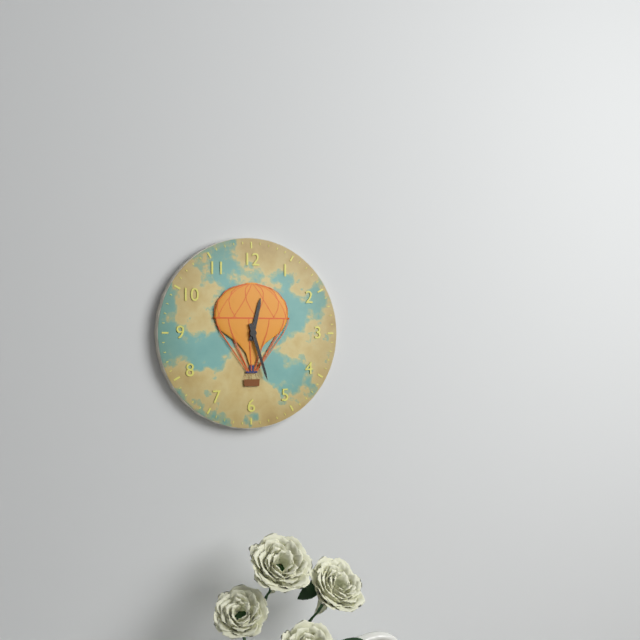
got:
**12:27**
